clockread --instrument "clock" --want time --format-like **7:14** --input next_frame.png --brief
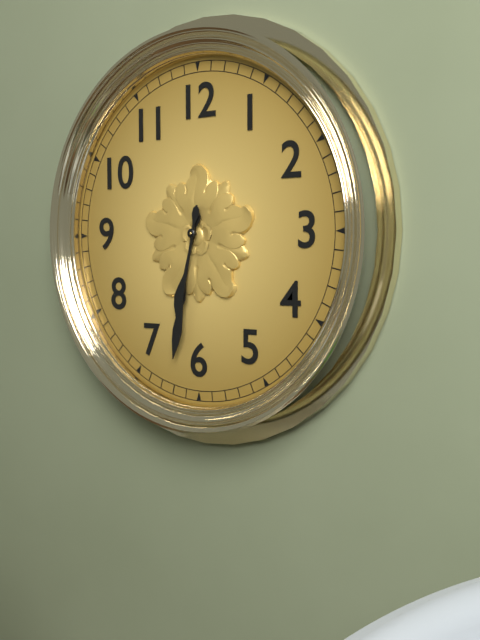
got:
**6:32**
